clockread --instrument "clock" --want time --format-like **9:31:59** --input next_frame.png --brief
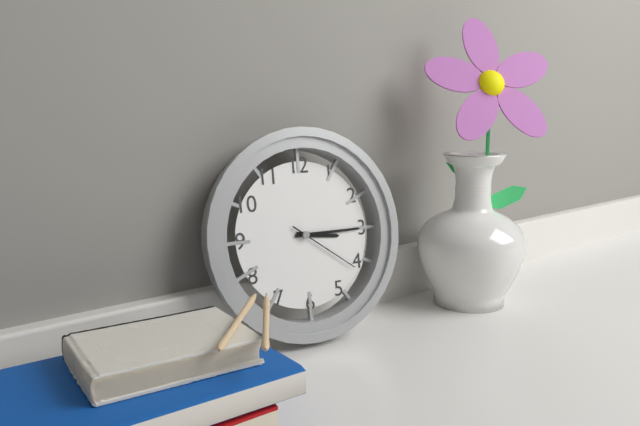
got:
**3:15:21**
